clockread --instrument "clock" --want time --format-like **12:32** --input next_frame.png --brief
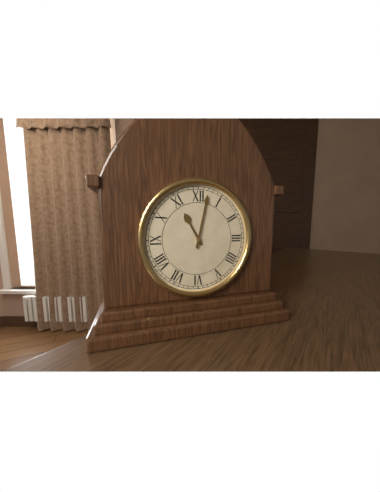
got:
**11:02**
